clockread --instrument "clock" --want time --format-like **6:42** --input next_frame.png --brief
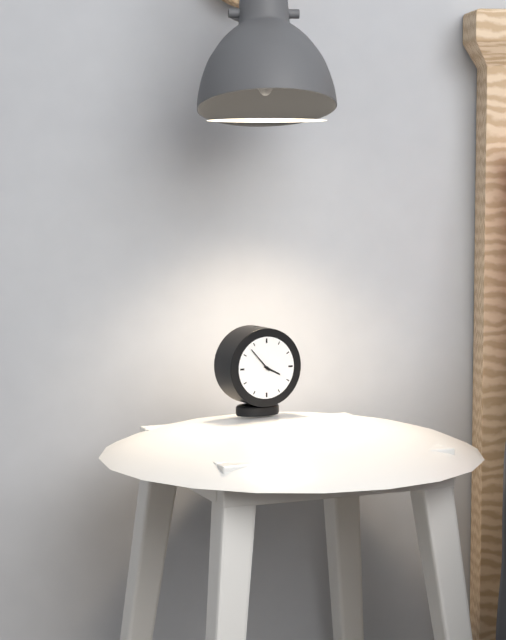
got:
**3:53**
